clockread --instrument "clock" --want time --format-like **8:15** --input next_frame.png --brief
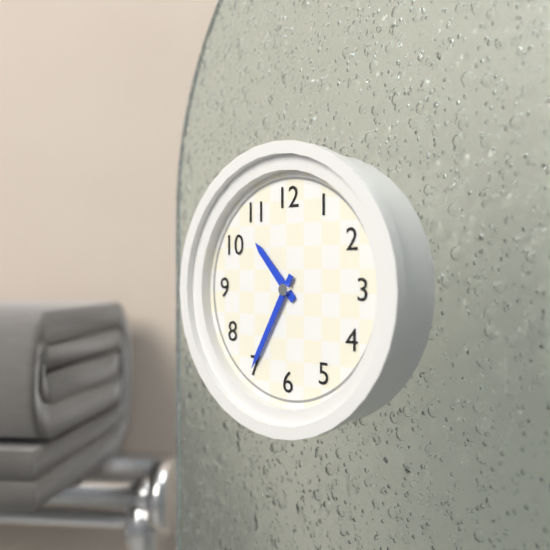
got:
**10:35**
